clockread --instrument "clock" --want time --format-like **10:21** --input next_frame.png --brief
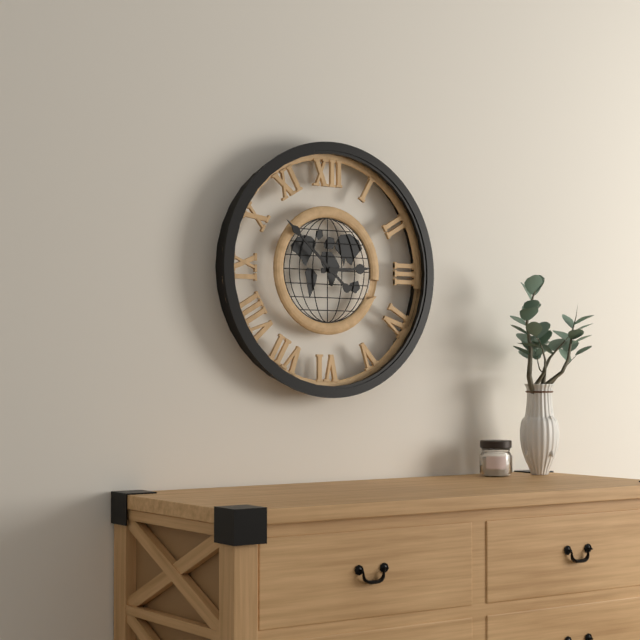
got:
**2:52**
